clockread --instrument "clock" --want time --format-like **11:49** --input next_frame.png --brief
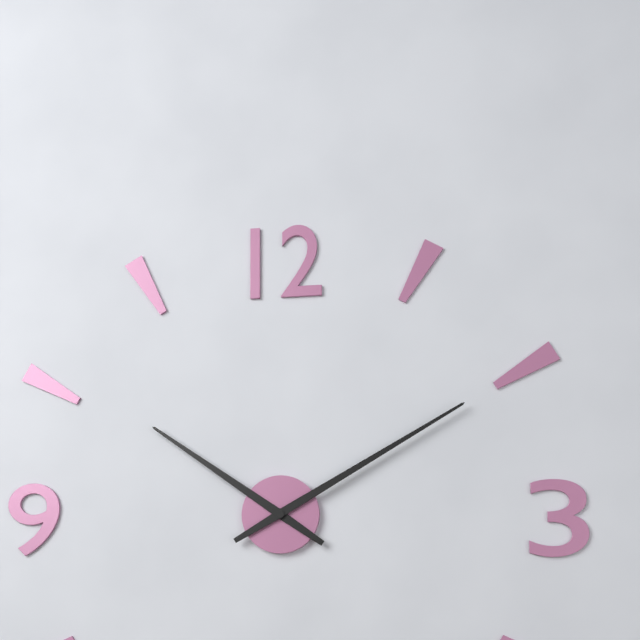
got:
**10:10**
